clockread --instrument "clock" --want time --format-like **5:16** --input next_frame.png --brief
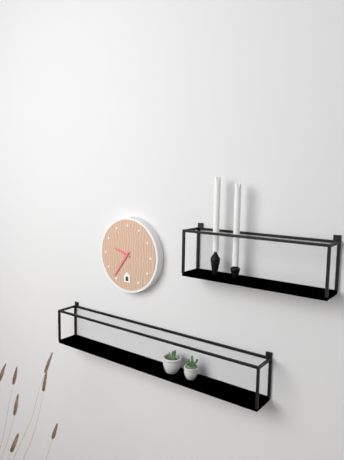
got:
**9:36**
